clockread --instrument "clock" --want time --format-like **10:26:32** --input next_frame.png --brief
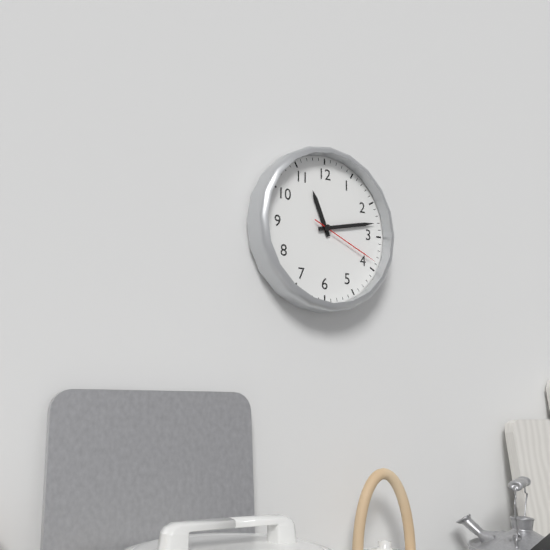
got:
**11:13:19**
